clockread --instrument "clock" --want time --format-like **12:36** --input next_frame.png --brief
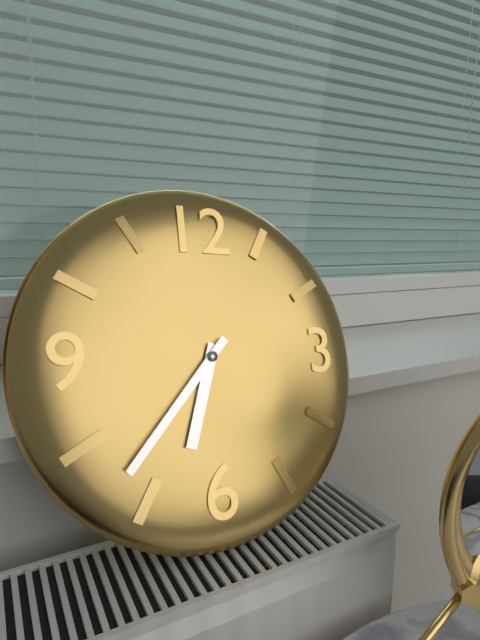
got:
**6:37**
